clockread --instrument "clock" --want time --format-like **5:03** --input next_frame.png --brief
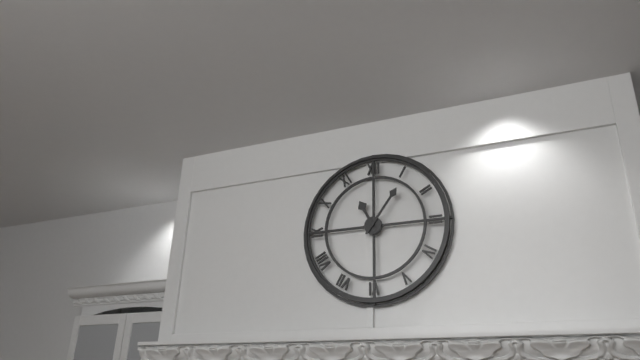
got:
**11:06**
